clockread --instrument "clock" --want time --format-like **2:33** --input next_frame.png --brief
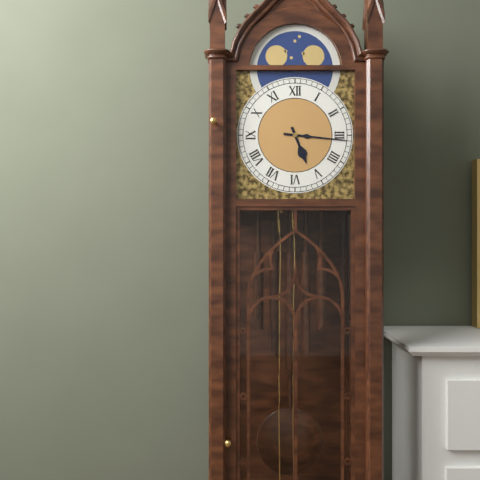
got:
**5:16**
